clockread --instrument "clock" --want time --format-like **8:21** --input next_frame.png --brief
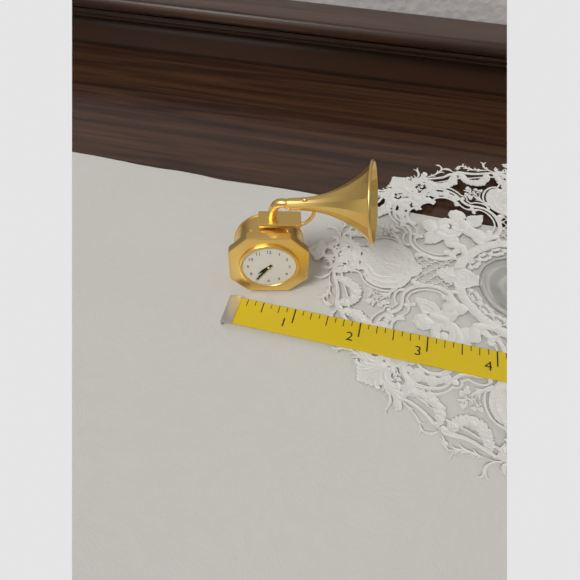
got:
**7:36**
